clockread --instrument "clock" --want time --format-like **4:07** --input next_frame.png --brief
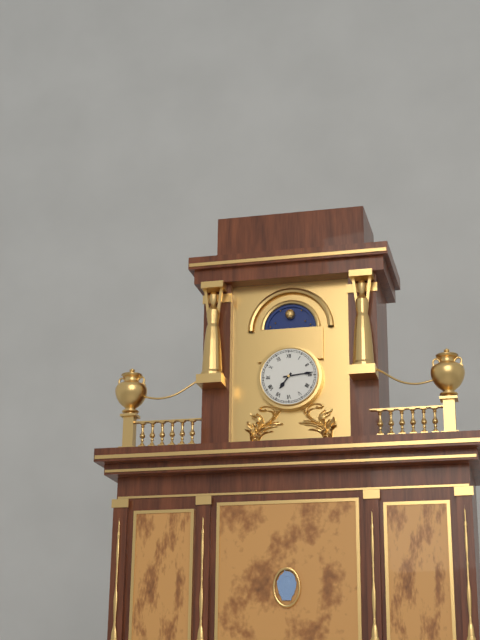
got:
**7:14**
